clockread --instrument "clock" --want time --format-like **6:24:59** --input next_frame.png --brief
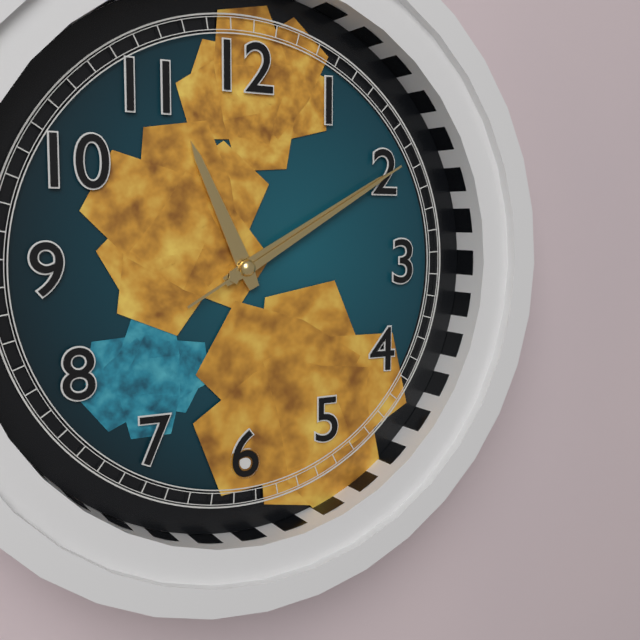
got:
**11:10:10**
